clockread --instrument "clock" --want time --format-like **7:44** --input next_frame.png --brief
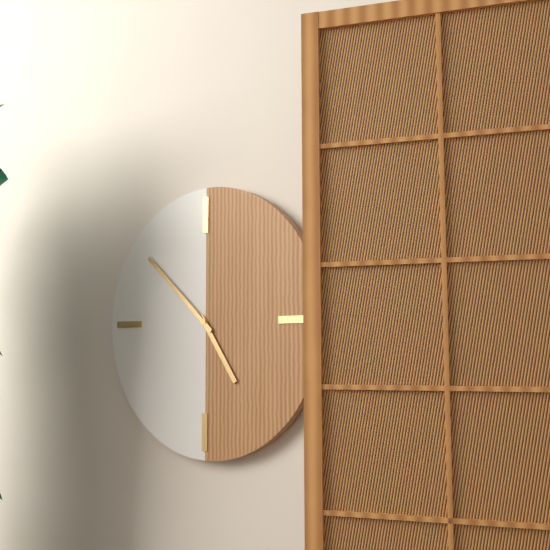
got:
**4:52**
